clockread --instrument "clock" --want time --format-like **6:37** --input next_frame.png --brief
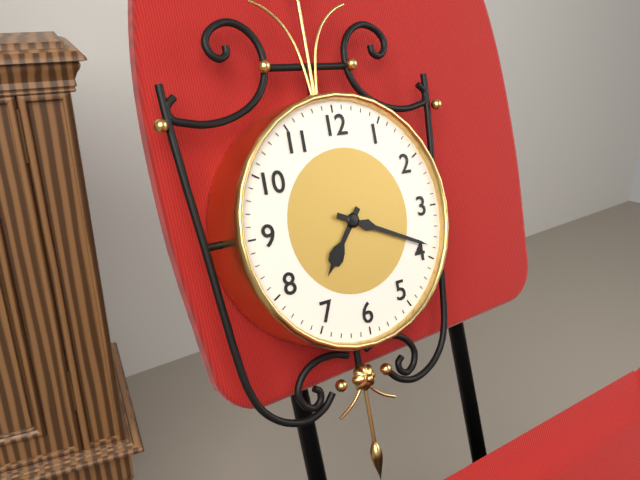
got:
**7:19**
